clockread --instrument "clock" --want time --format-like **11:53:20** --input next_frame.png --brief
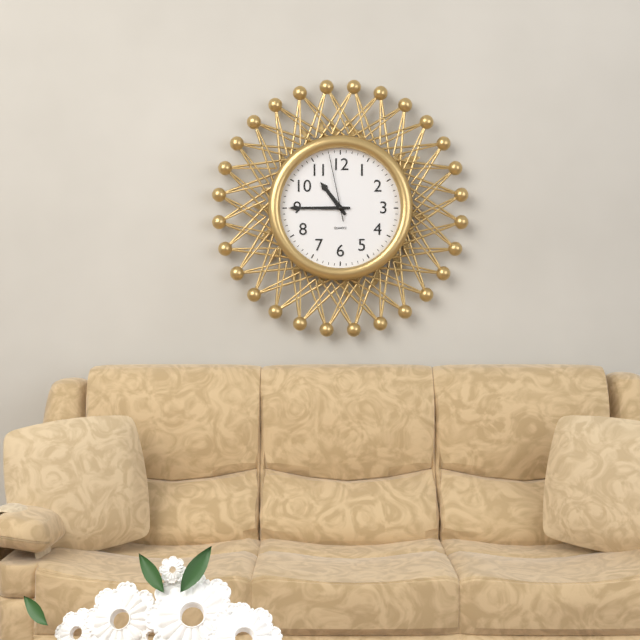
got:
**10:45:58**
